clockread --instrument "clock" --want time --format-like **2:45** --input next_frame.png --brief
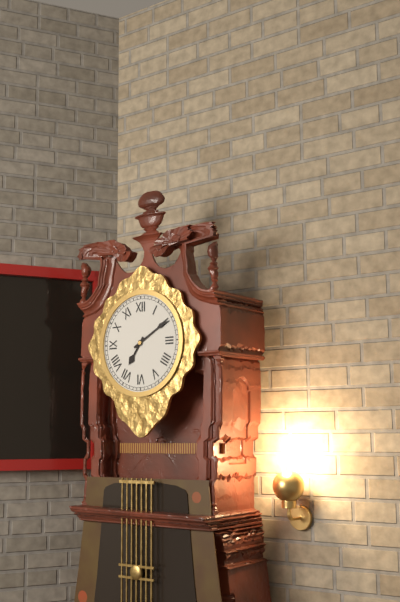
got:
**7:10**
